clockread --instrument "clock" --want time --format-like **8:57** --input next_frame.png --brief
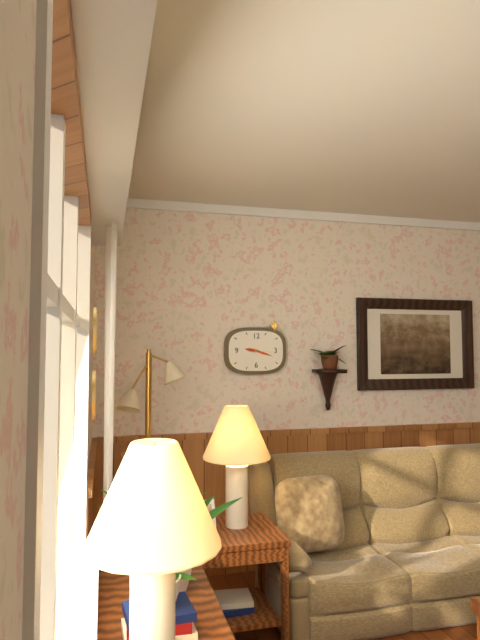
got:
**9:18**
